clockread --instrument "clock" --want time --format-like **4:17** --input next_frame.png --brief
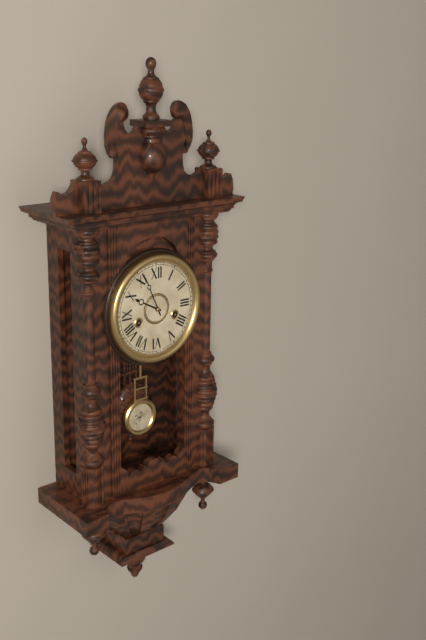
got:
**9:56**
